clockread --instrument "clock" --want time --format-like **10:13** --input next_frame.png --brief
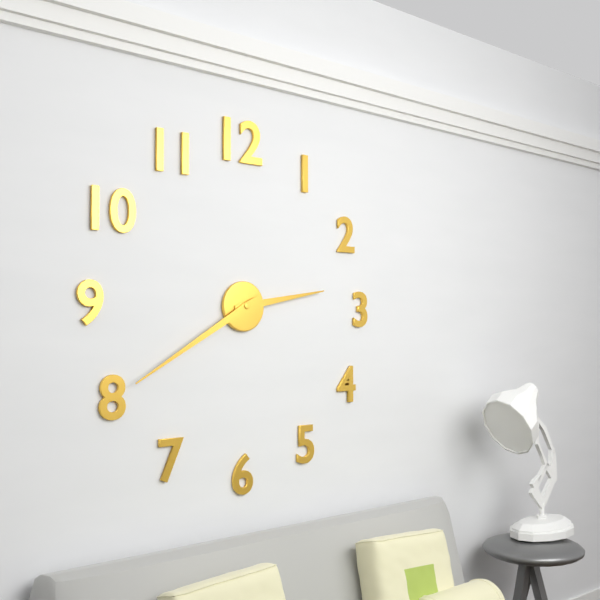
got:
**2:40**
